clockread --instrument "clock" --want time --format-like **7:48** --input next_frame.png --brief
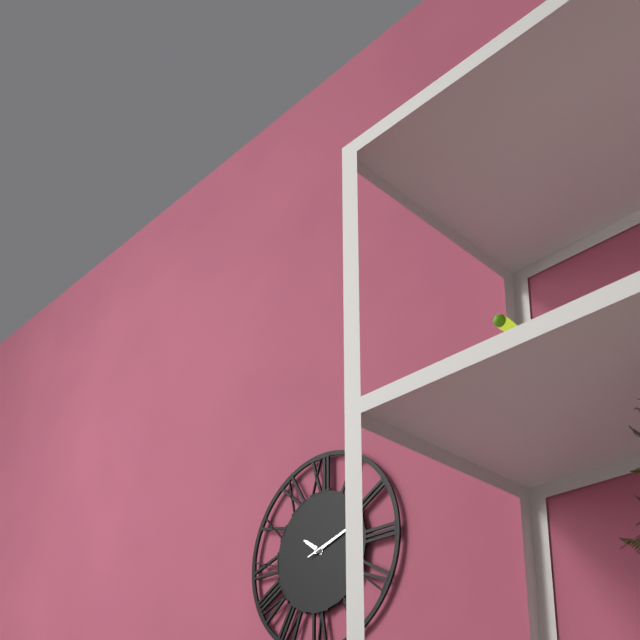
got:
**10:12**
